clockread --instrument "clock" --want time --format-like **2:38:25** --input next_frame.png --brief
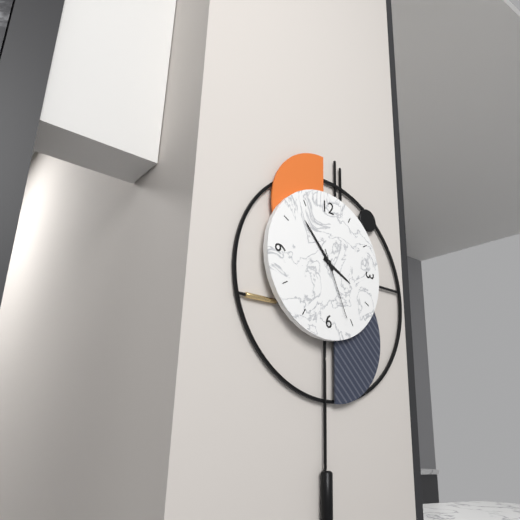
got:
**3:53:26**
